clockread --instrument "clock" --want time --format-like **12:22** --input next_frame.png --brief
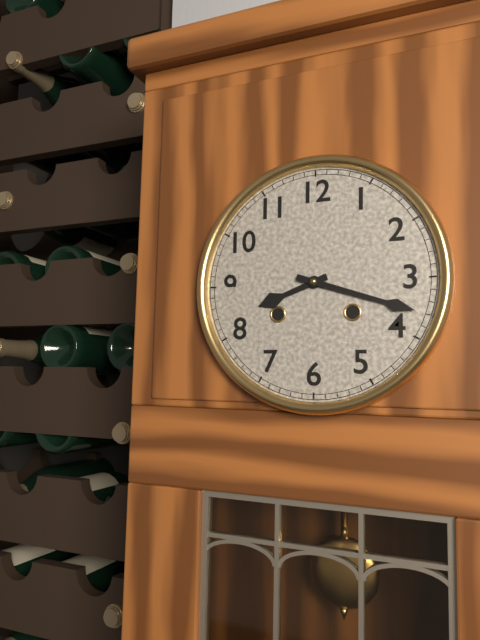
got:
**8:18**
